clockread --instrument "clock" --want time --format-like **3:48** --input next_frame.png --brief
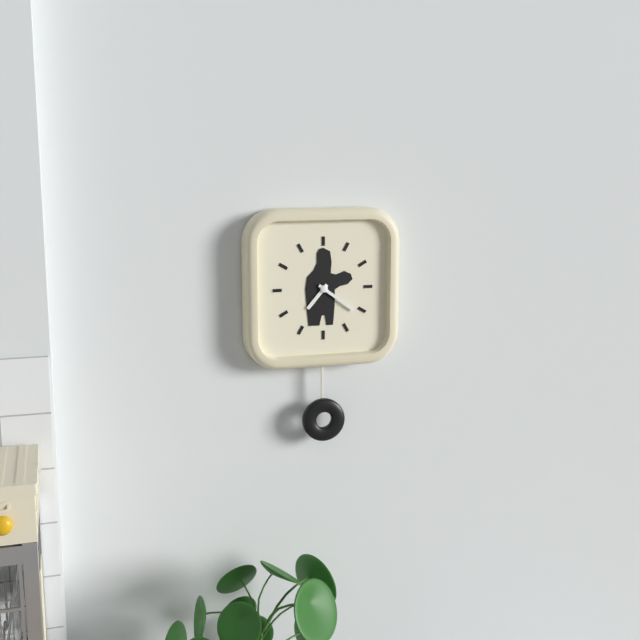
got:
**7:21**
